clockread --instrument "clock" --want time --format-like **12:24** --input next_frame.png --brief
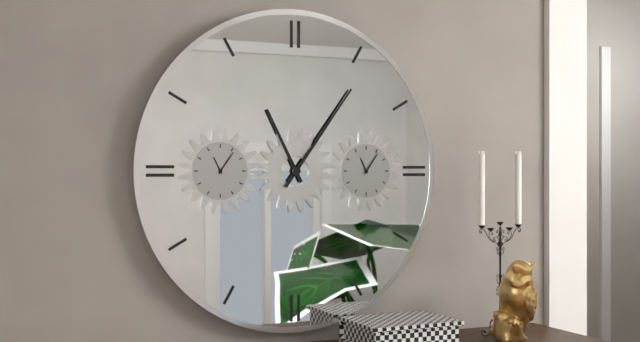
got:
**11:06**
